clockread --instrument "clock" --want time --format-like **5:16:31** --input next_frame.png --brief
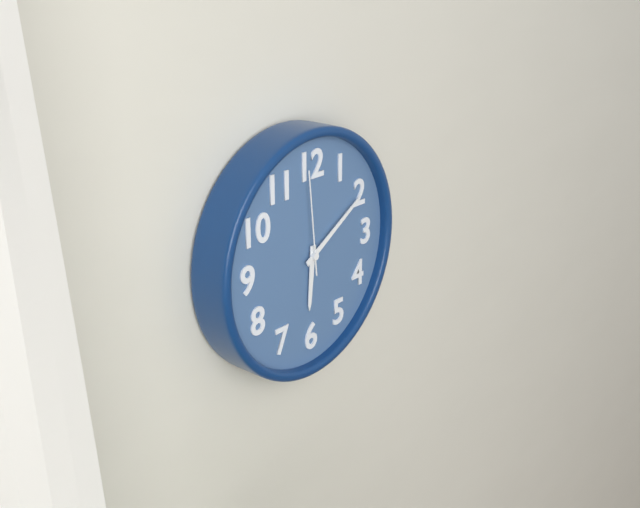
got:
**6:10:59**
